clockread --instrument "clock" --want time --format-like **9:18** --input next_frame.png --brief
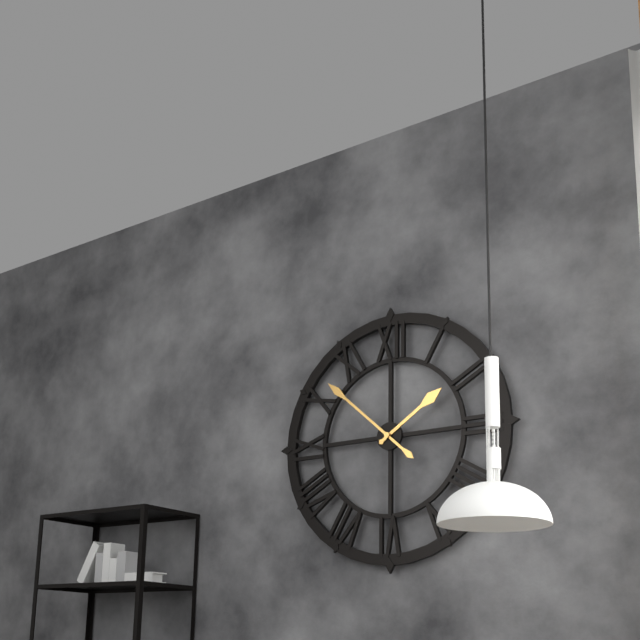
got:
**1:52**
